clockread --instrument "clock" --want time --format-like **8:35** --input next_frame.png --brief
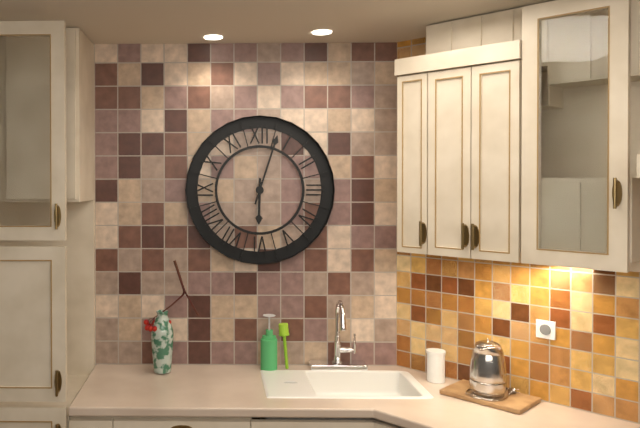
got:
**6:03**
